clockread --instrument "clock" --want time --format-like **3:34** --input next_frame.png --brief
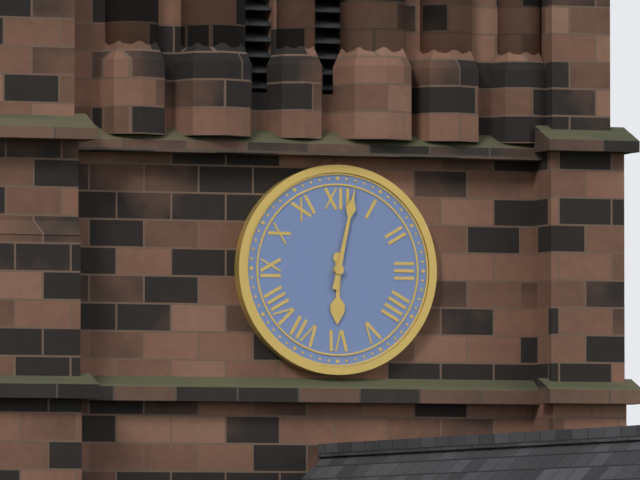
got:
**6:02**
